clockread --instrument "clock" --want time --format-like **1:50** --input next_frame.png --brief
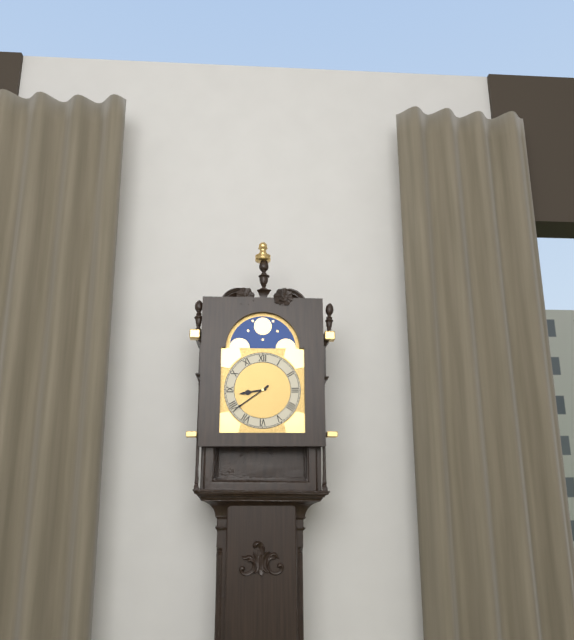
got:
**8:39**
